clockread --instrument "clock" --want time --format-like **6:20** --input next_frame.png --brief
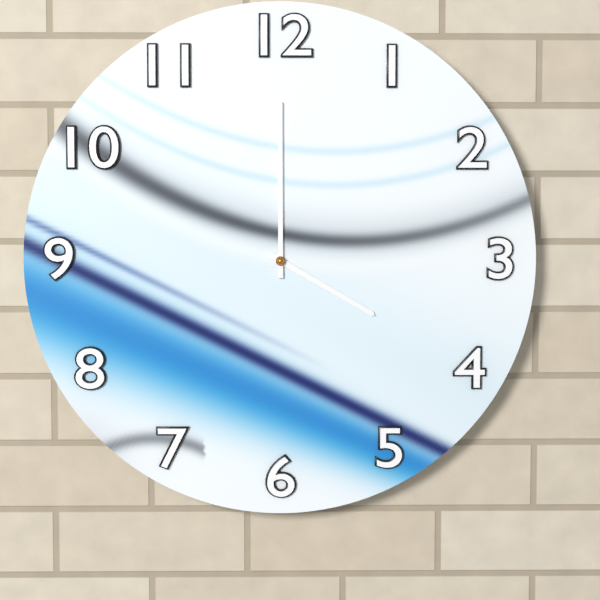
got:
**4:00**
